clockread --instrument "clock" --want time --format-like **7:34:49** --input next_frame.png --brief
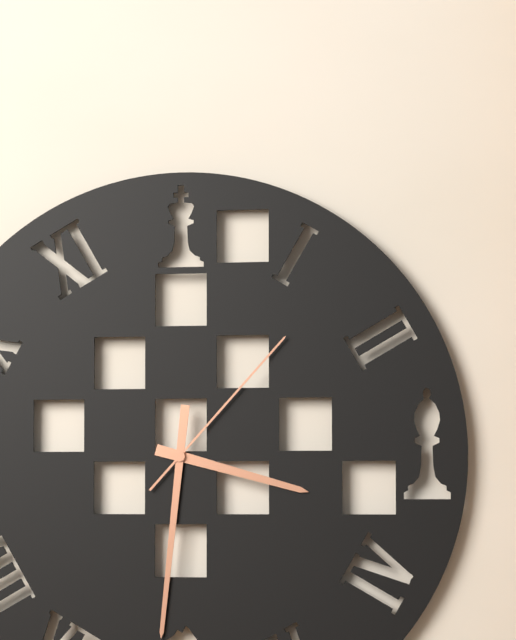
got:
**3:31:07**
